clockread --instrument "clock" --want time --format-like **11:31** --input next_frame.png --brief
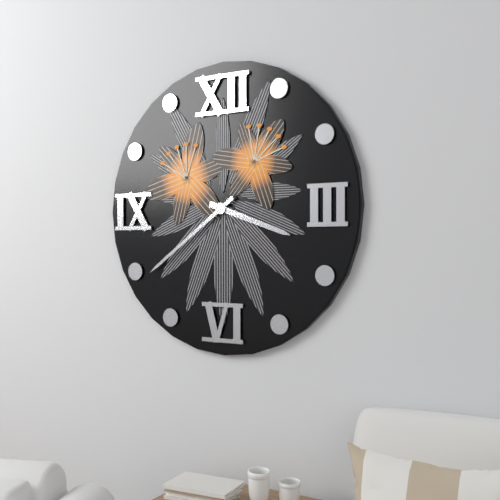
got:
**3:39**
